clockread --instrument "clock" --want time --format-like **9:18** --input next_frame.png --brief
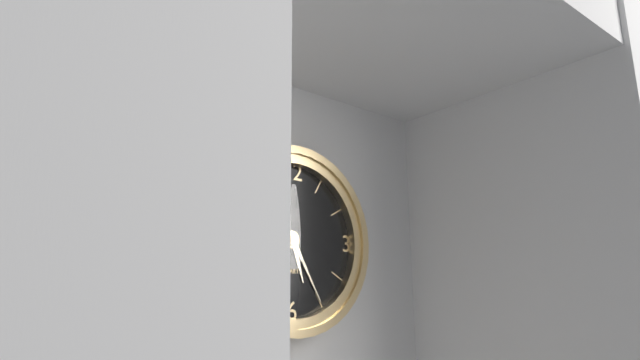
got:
**5:25**
